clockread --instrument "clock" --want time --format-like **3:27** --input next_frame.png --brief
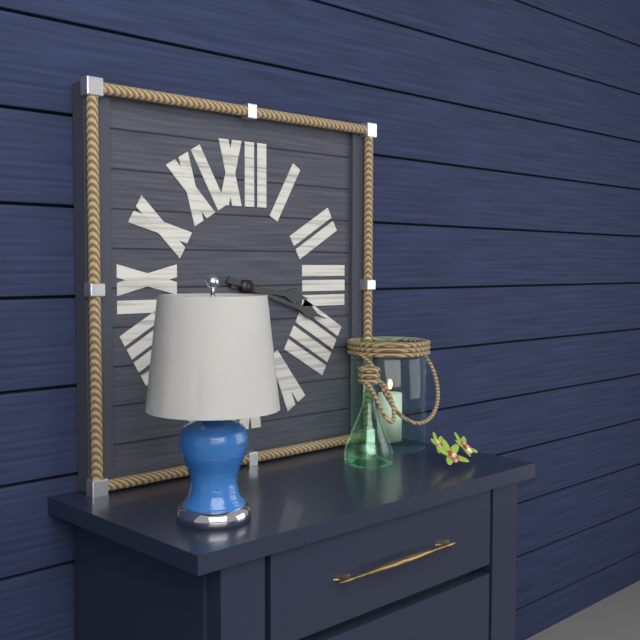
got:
**3:18**
